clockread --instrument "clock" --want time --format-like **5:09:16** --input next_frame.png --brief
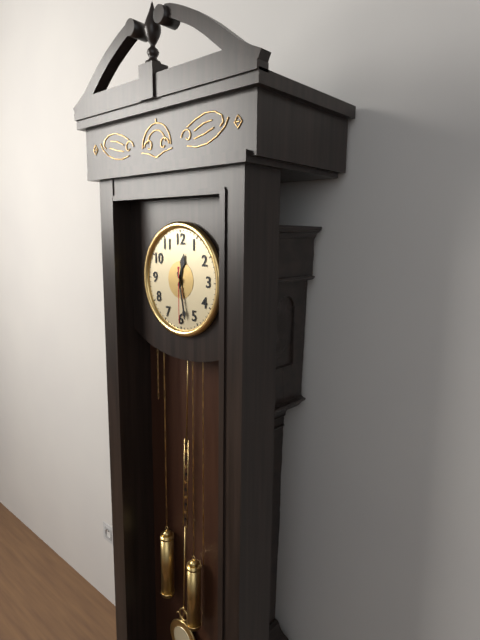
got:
**12:28:30**
